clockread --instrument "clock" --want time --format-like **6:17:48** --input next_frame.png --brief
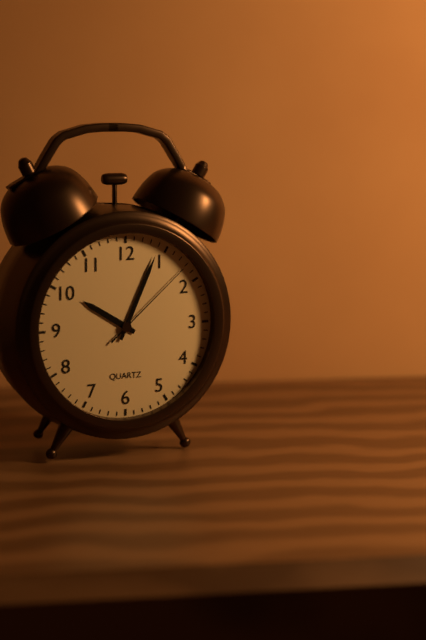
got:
**10:04:08**
